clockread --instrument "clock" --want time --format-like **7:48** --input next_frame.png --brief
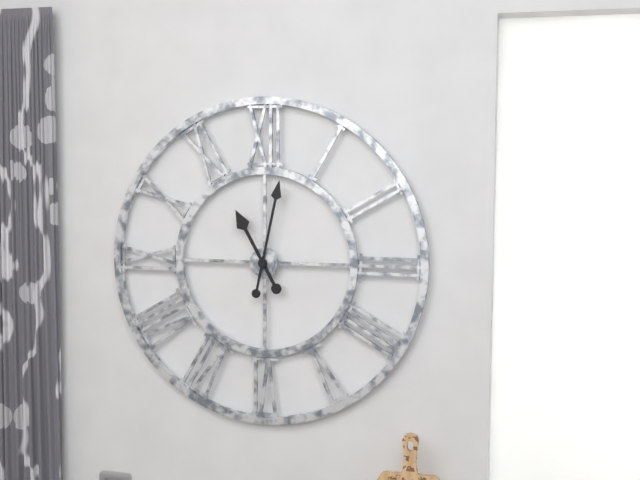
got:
**11:02**
